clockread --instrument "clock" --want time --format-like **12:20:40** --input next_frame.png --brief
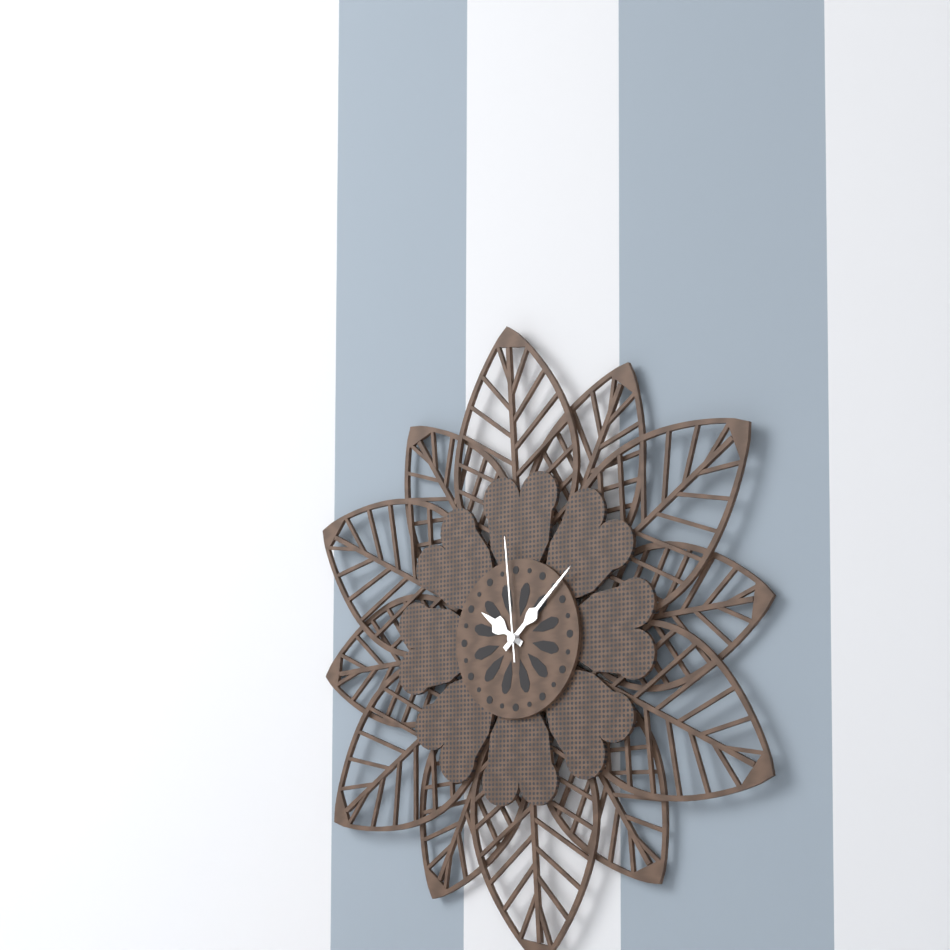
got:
**10:08:59**
